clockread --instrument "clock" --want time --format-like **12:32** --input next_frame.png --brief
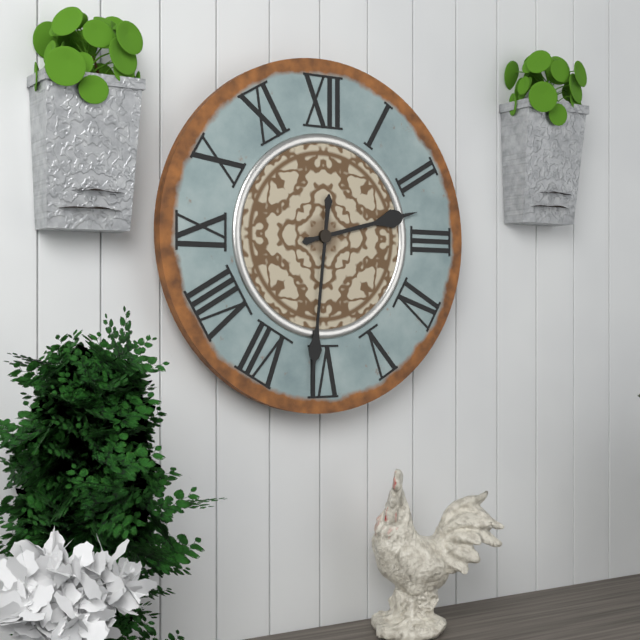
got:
**2:31**
